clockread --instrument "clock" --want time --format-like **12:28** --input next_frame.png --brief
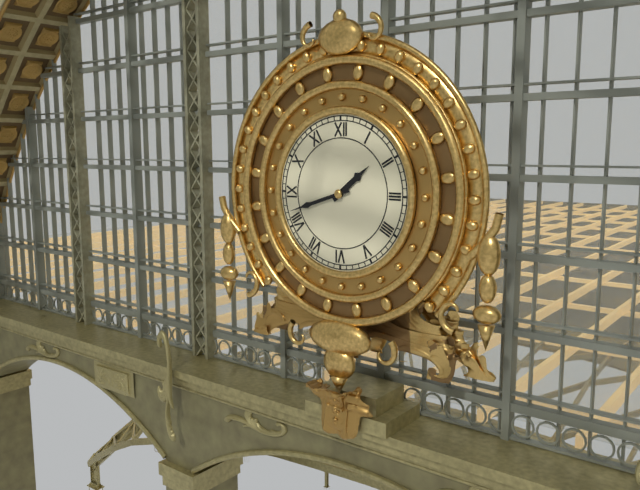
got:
**1:42**
